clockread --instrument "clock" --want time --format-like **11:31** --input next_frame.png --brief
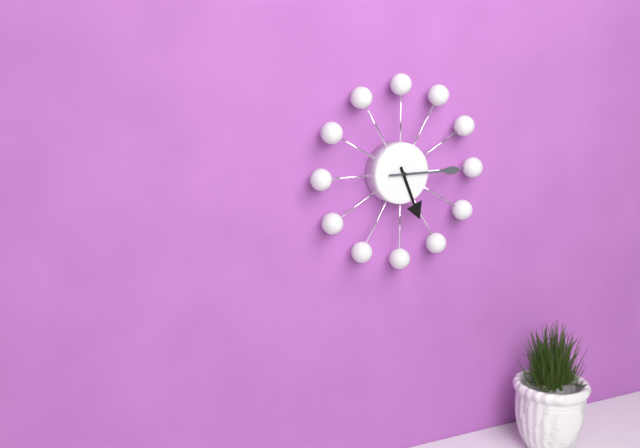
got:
**5:15**
